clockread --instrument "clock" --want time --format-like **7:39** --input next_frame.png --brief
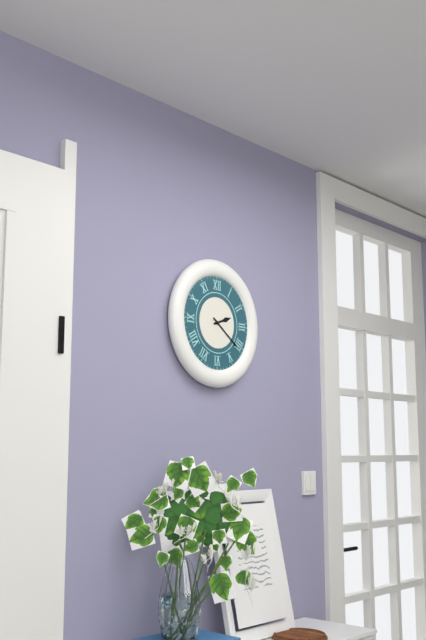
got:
**2:21**
